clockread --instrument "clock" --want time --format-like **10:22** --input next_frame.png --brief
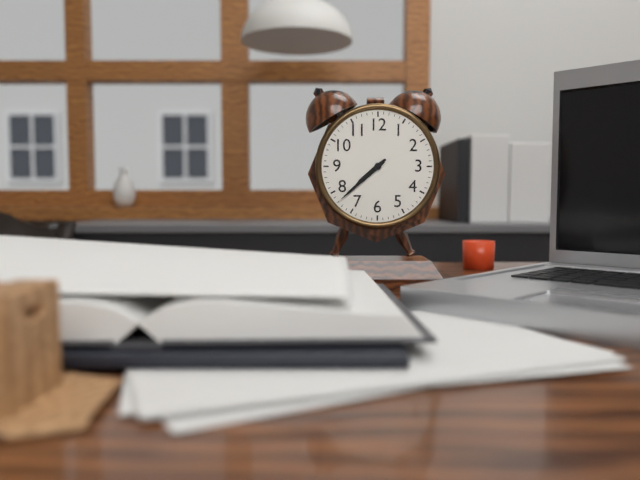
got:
**7:38**
